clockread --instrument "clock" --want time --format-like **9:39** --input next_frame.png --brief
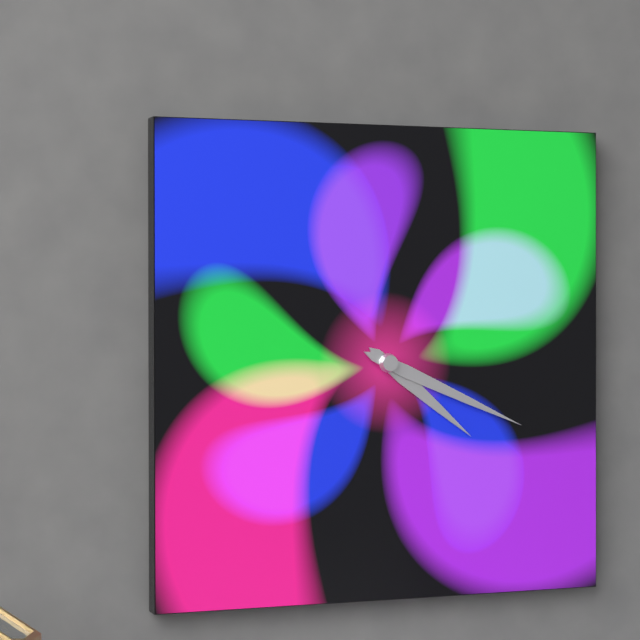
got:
**4:19**
